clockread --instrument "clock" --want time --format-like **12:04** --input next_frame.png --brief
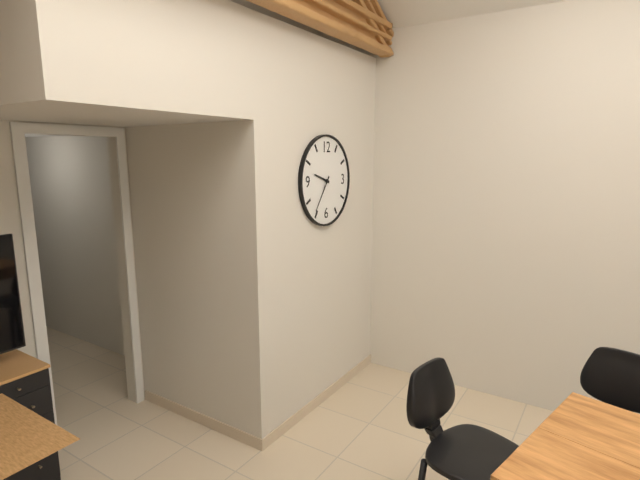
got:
**9:36**
